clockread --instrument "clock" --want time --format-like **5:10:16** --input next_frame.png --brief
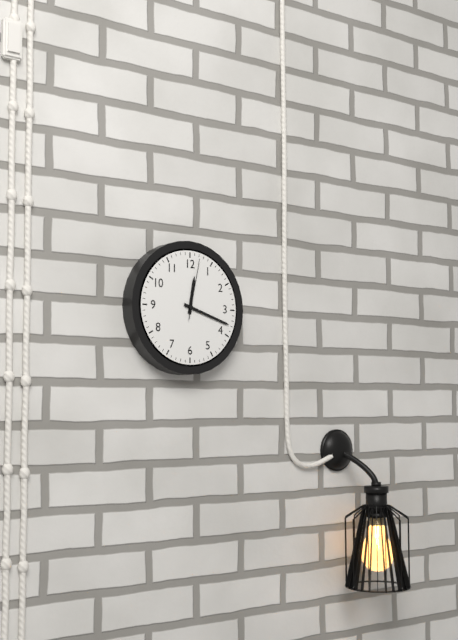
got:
**12:18:02**
